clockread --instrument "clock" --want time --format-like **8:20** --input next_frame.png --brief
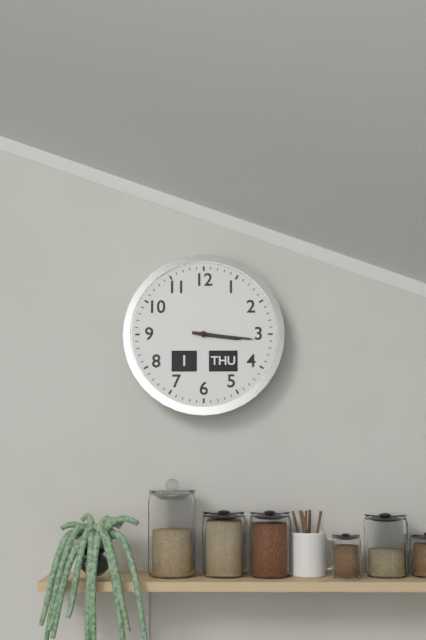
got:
**3:16**
